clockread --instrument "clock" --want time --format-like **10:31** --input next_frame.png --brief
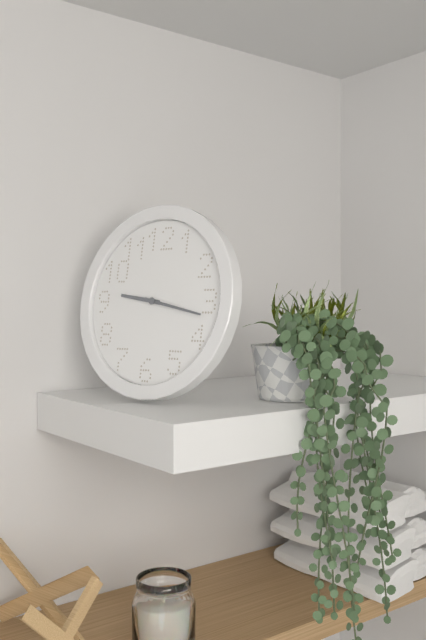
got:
**9:17**
